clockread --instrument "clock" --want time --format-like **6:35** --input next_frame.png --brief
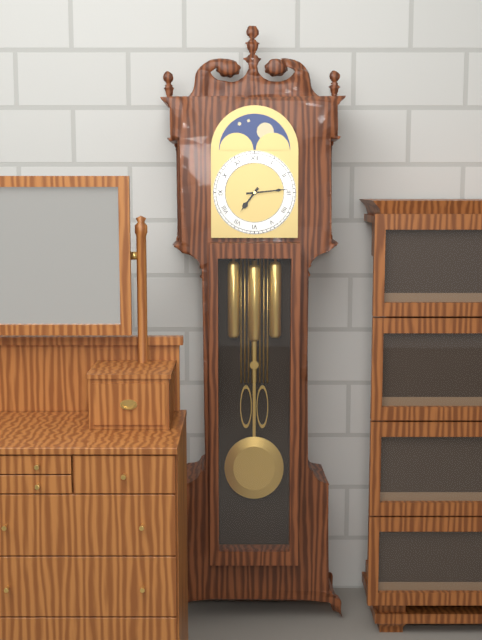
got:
**7:14**
